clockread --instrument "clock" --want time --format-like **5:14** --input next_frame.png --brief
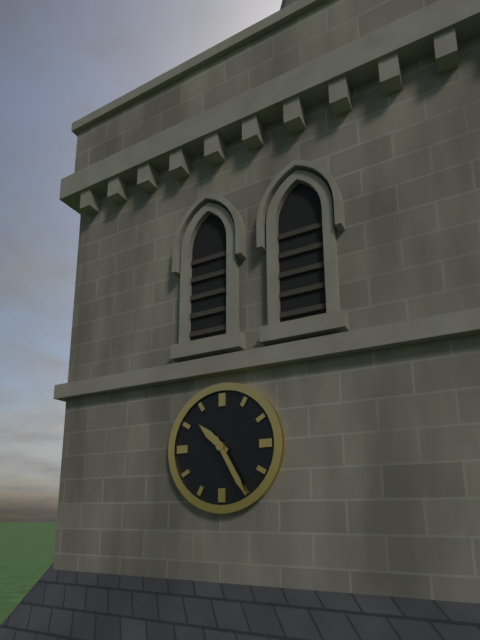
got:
**10:25**
